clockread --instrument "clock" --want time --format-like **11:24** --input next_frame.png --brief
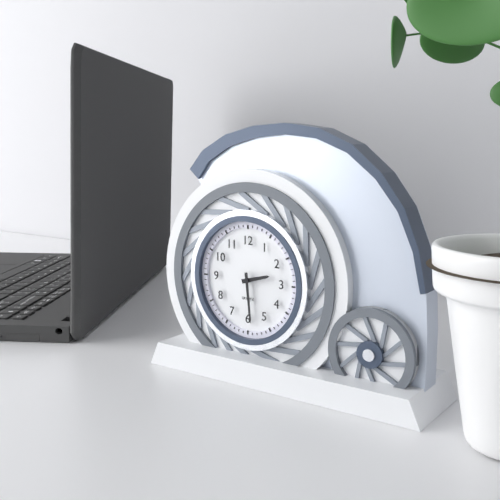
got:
**2:29**
